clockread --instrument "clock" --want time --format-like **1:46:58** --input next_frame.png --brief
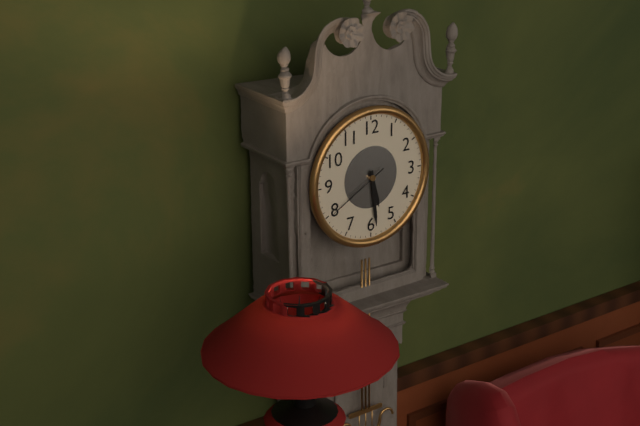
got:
**5:29:40**
